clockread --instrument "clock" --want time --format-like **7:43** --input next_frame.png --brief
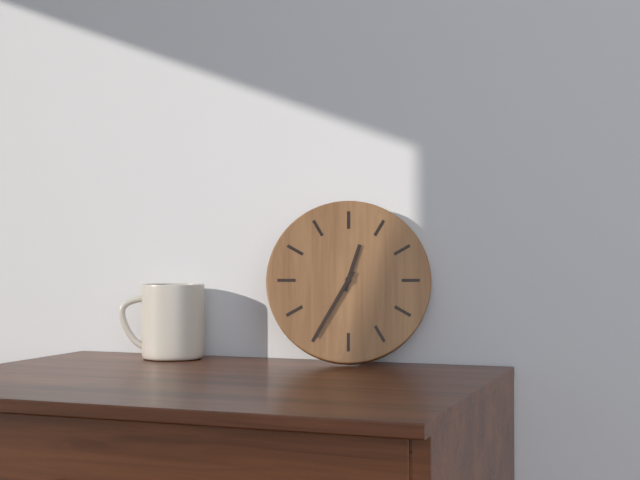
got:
**12:35**
